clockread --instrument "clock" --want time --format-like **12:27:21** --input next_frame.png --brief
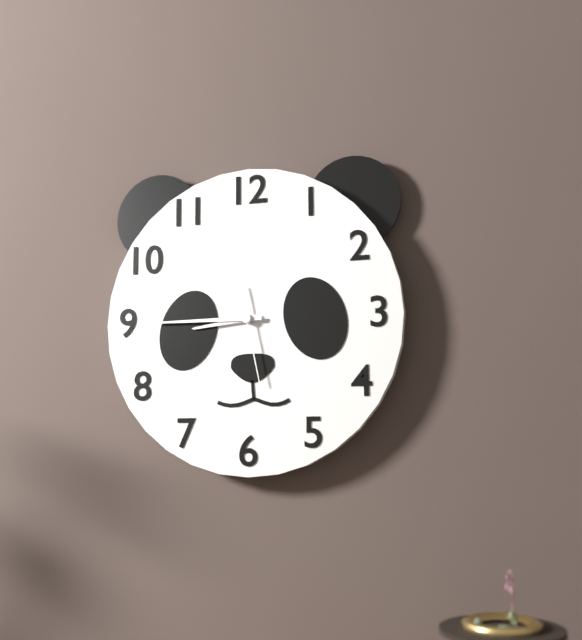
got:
**8:45:28**
